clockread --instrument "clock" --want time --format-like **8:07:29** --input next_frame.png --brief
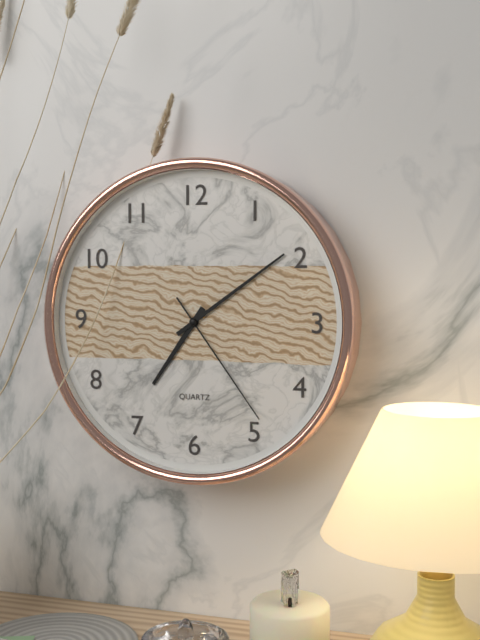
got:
**7:09:24**
